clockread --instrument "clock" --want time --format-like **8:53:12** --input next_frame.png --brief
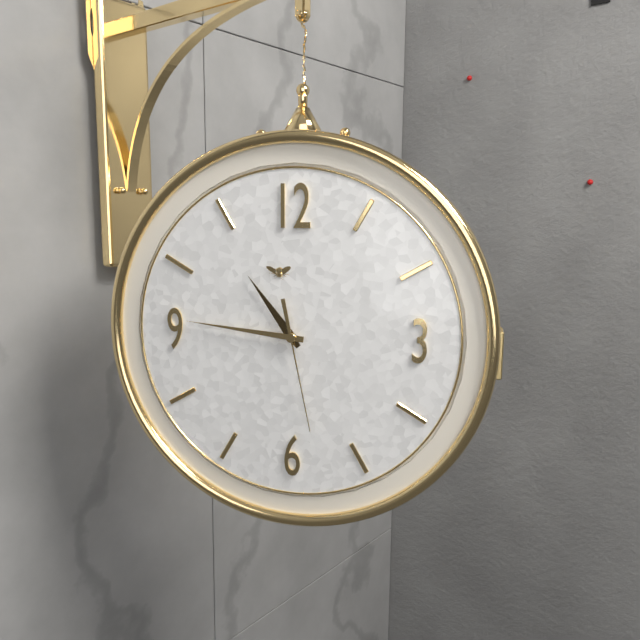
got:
**10:46:28**
